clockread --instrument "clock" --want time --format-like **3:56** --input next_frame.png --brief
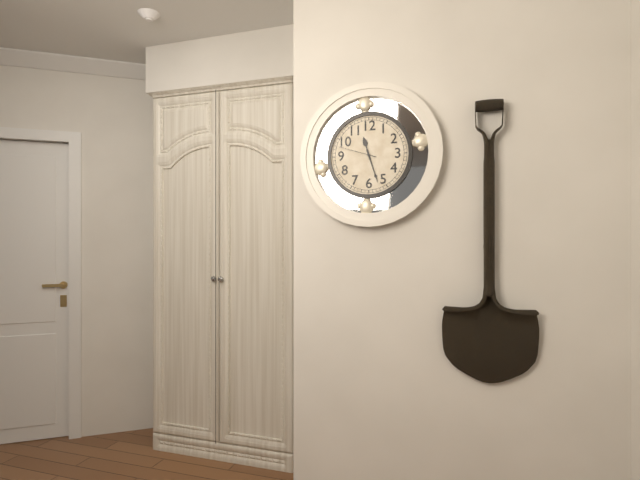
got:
**11:27**
